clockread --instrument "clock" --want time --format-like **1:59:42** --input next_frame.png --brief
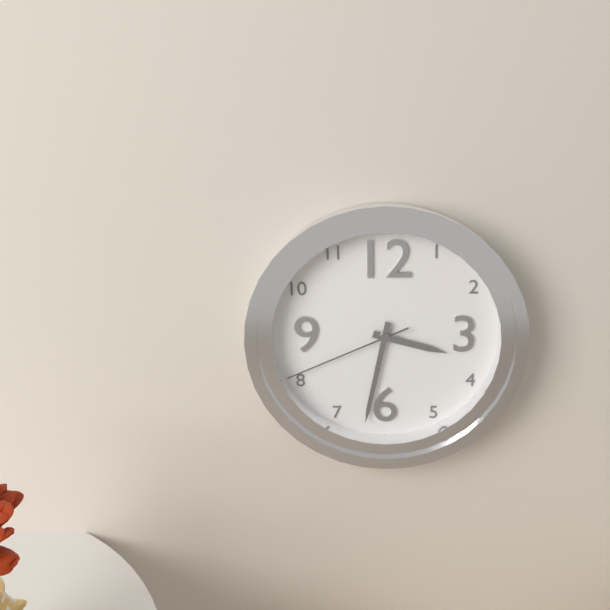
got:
**3:32:41**
